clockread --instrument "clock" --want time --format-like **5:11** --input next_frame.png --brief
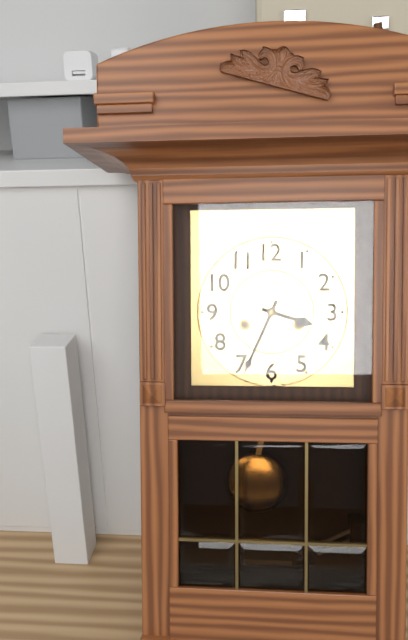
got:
**3:34**
